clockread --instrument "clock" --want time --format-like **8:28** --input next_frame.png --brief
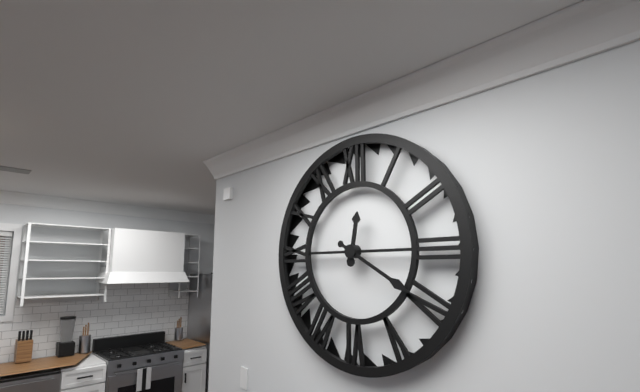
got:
**12:20**
